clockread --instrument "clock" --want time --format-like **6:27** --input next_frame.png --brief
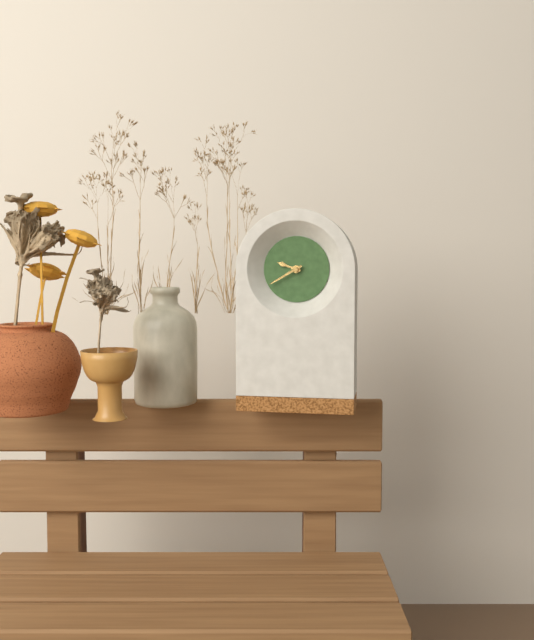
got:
**9:40**
